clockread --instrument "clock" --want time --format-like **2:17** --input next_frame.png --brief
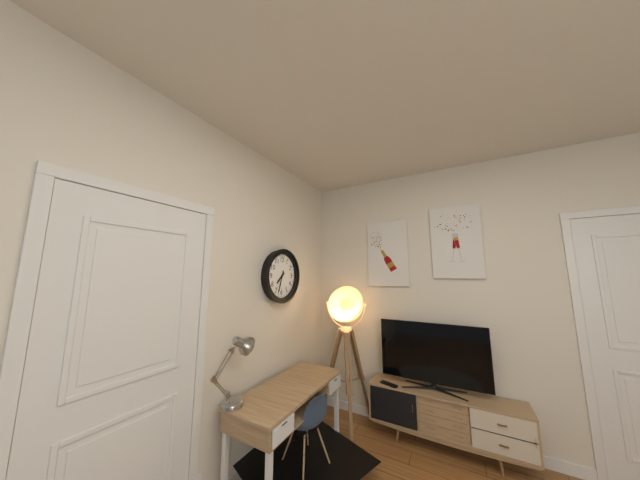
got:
**7:33**
